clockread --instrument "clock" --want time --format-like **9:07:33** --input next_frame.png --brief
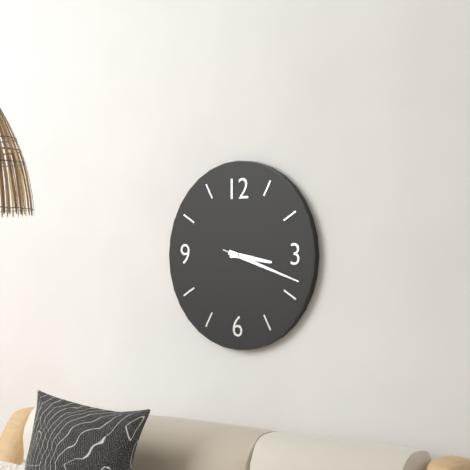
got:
**3:18:18**
